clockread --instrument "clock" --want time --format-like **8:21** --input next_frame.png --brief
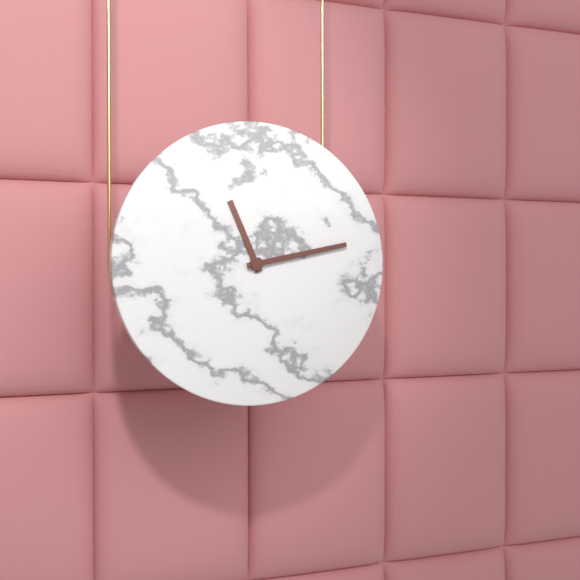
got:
**11:13**
